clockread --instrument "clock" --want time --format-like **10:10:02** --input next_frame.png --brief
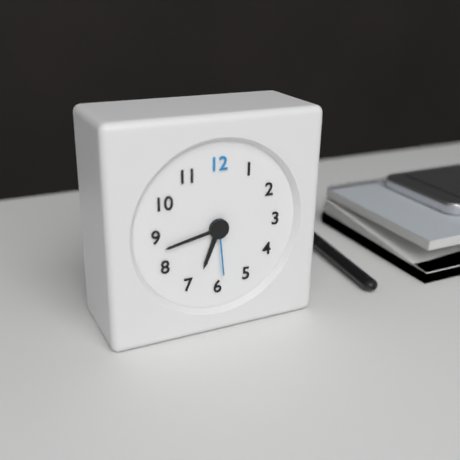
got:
**6:43:29**
